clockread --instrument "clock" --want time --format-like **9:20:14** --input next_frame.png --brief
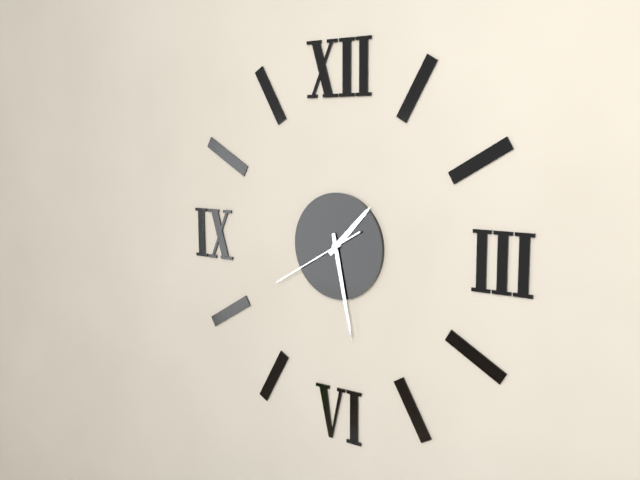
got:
**1:28:40**
